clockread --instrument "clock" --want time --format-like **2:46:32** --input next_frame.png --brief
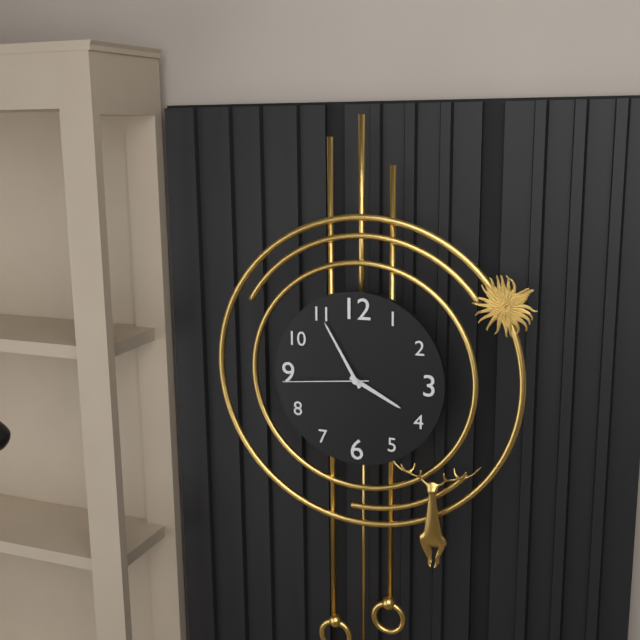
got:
**3:55:44**
